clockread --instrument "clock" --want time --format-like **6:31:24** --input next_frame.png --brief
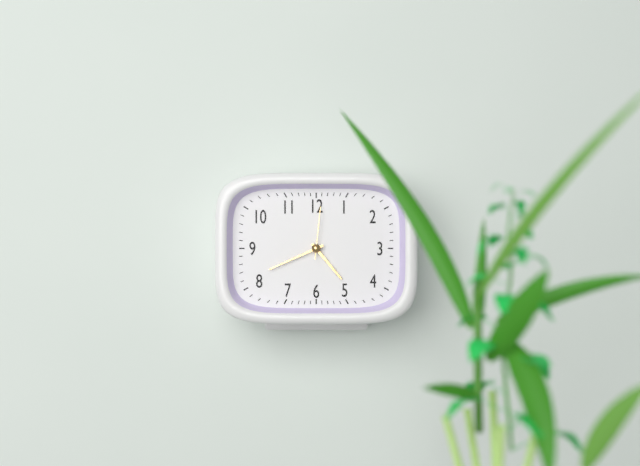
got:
**4:41:01**
